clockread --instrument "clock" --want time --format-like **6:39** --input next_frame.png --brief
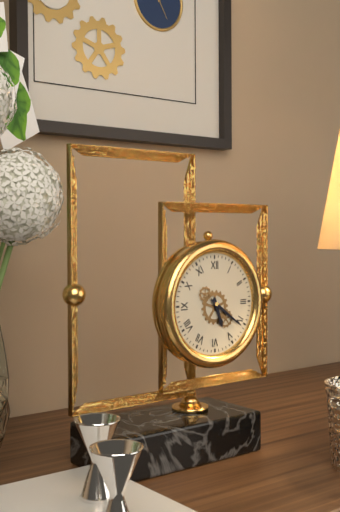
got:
**5:21**
